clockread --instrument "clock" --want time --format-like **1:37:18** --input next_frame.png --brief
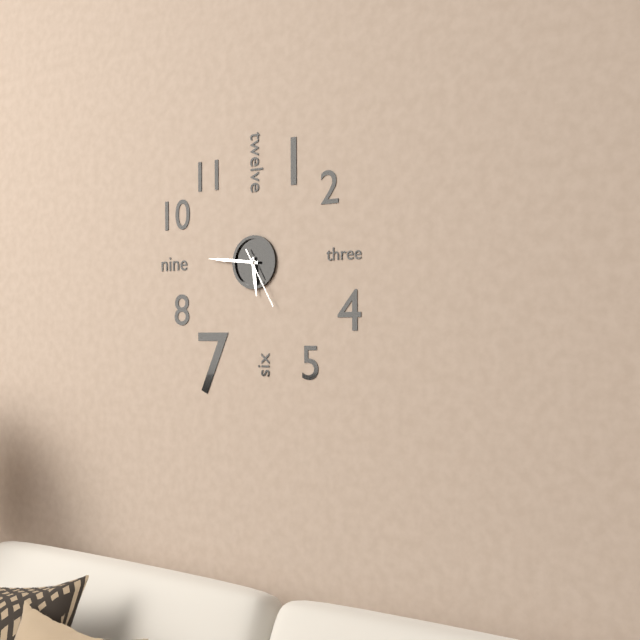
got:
**5:46:25**
